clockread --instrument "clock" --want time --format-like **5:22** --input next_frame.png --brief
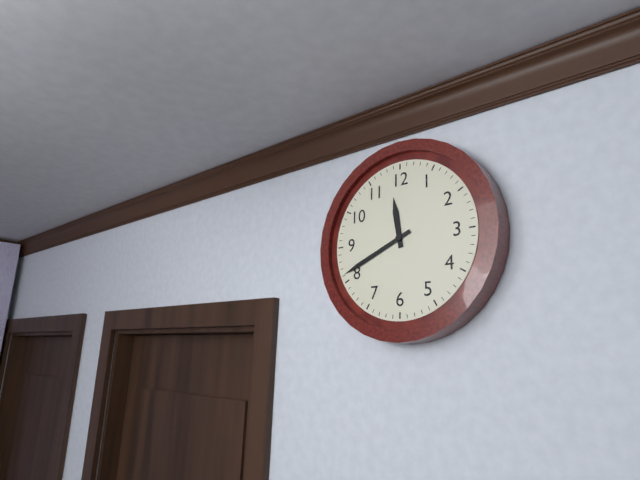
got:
**11:41**
